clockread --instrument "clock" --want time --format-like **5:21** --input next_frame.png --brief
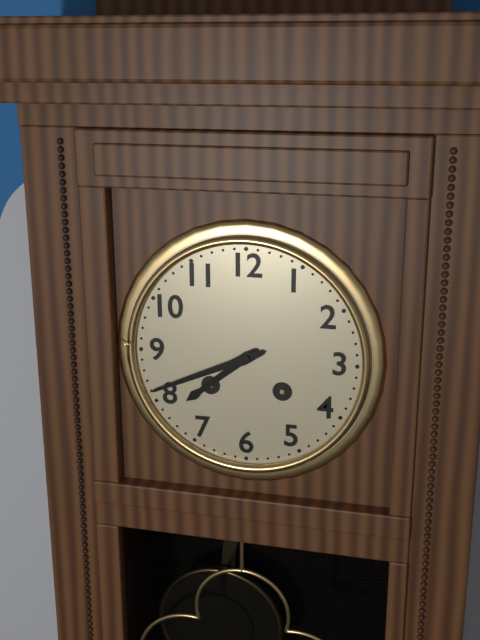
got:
**7:41**
